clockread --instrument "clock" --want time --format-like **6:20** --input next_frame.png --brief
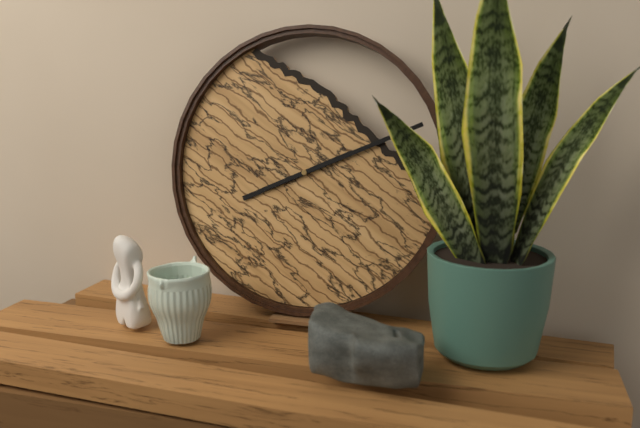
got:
**8:11**
